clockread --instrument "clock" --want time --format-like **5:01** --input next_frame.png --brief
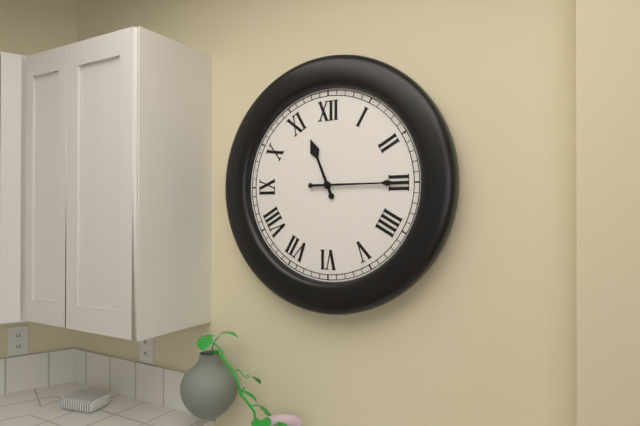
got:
**11:15**
